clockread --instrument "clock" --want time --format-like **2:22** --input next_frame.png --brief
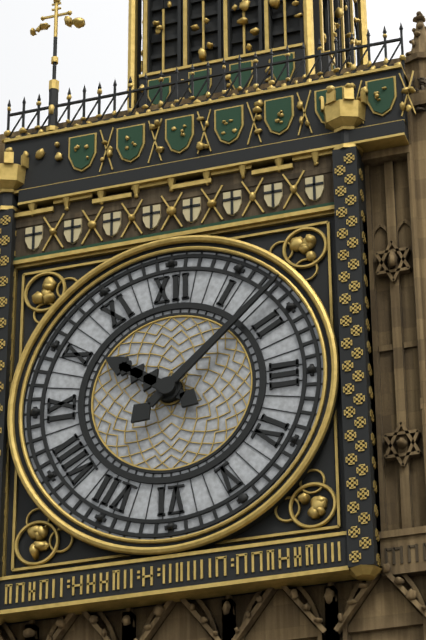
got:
**10:08**
